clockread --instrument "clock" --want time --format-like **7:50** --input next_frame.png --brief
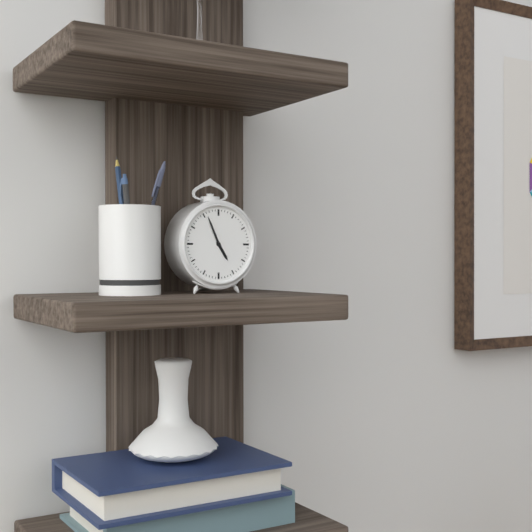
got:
**4:56**
